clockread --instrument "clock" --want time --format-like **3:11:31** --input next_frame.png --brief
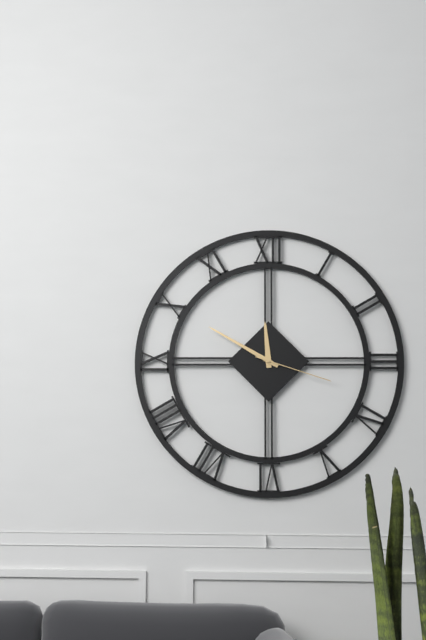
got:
**11:50:18**
